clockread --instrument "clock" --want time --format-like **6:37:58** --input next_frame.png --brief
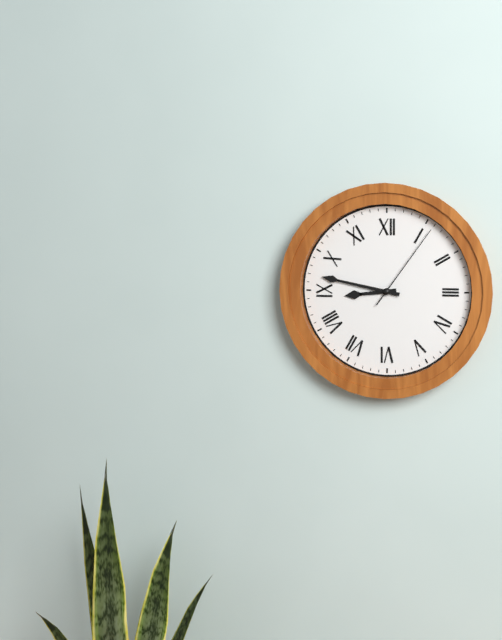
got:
**8:47:06**
